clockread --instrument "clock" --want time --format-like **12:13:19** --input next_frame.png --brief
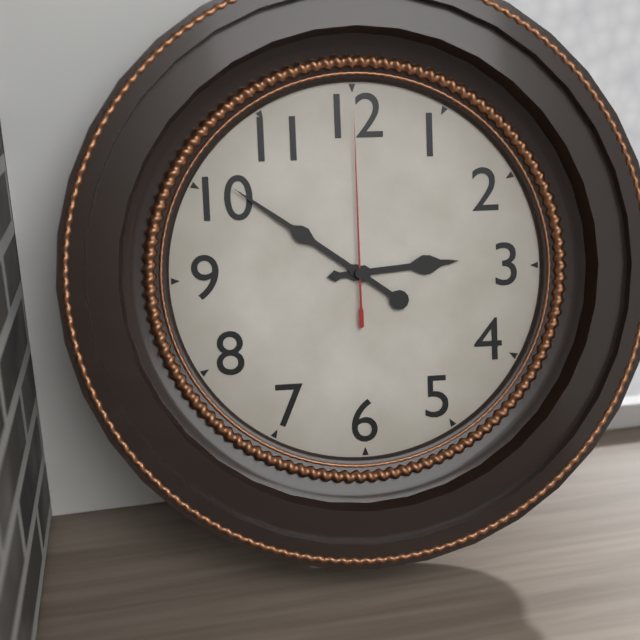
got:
**2:51:00**
